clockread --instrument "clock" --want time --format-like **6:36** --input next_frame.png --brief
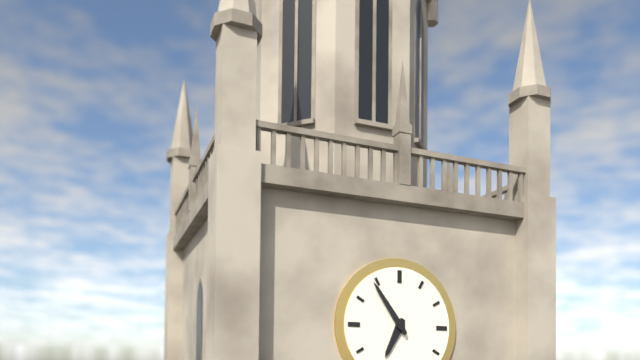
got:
**6:54**
